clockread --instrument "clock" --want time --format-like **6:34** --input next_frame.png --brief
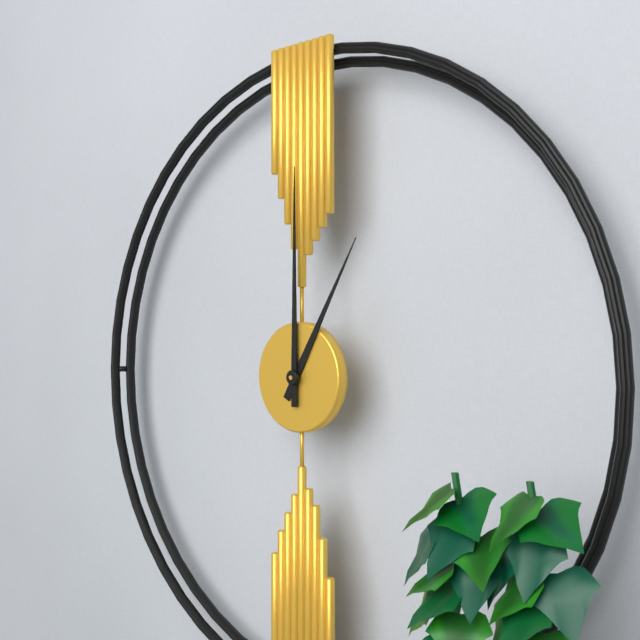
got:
**1:00**
